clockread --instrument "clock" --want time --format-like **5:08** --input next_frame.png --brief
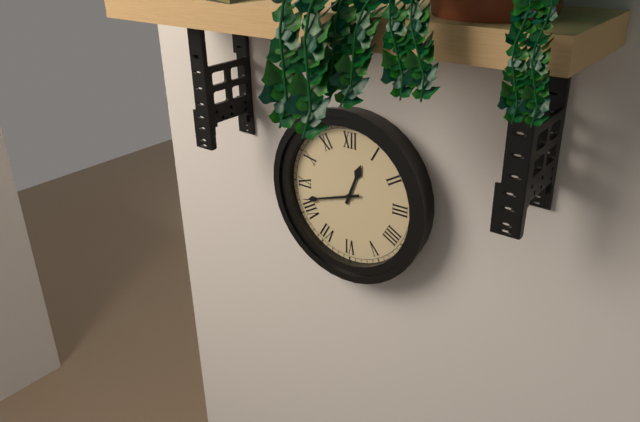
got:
**12:42**
